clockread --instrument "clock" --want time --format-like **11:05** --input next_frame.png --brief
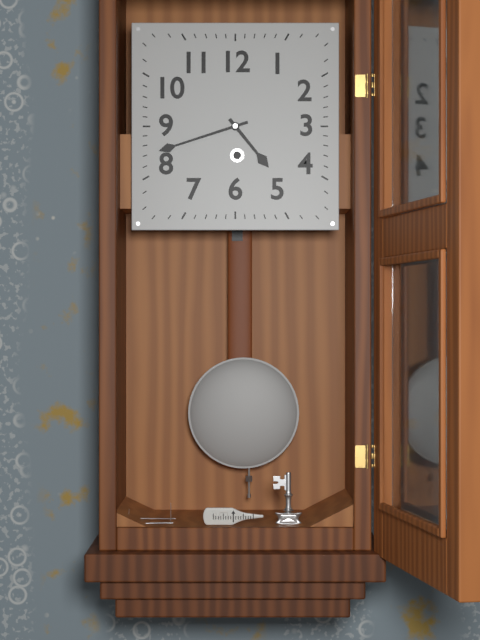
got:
**4:42**
